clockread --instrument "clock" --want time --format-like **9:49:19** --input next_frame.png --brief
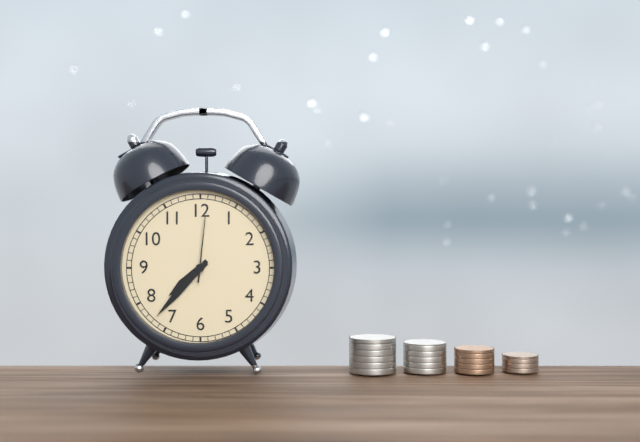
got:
**7:37:01**
